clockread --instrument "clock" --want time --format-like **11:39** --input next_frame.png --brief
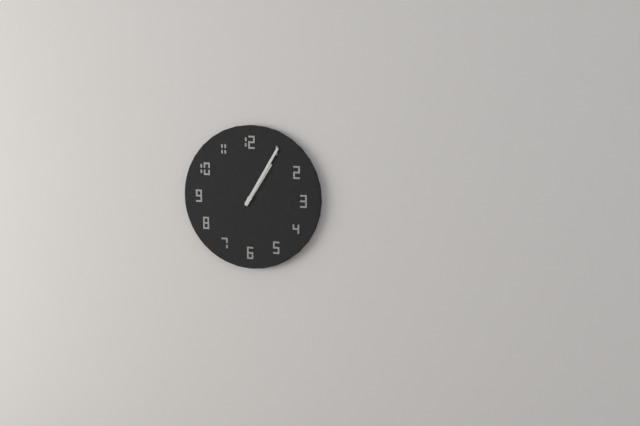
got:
**1:05**
